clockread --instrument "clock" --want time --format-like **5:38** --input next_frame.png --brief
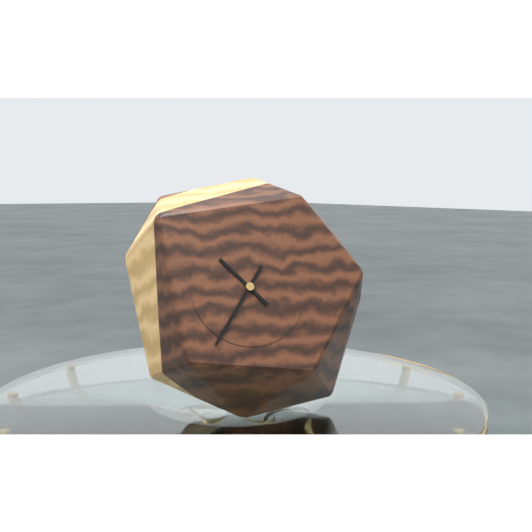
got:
**10:36**
